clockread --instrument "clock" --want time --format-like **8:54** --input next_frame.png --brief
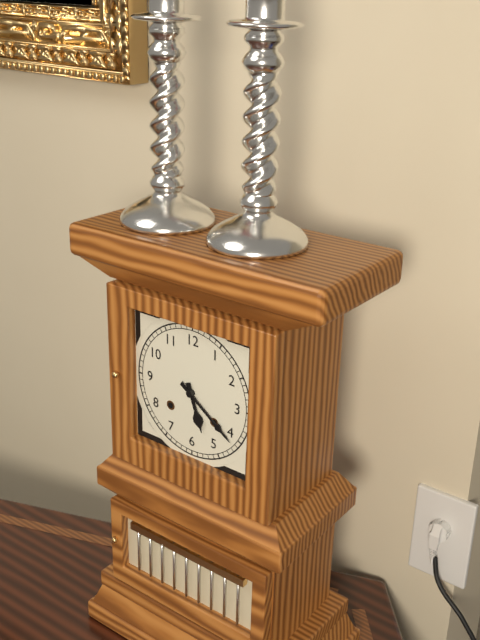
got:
**5:21**
